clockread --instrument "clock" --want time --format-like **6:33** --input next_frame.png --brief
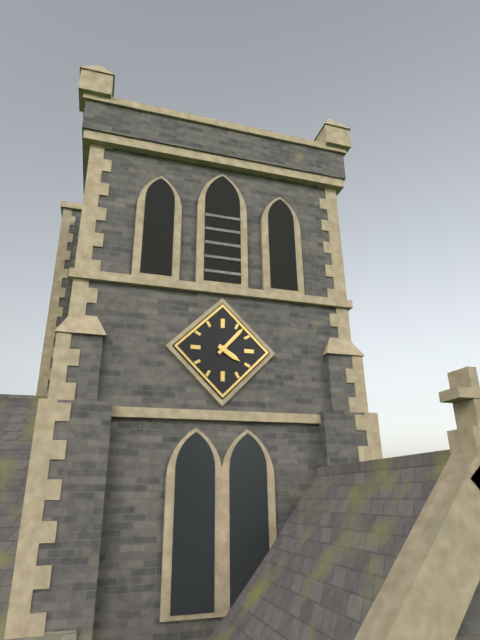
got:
**4:07**
